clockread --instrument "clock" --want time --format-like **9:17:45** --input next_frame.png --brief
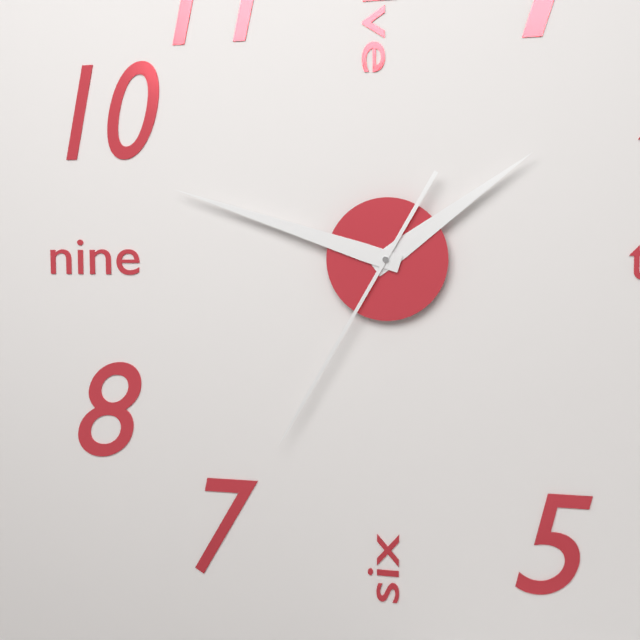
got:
**1:48:35**
